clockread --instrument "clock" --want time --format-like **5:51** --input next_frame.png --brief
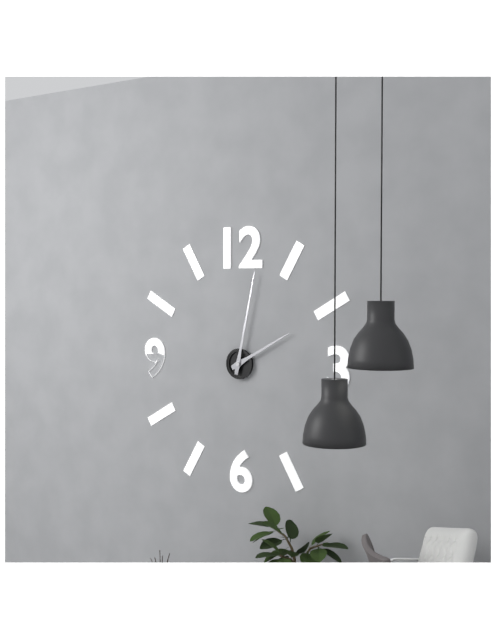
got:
**2:02**
